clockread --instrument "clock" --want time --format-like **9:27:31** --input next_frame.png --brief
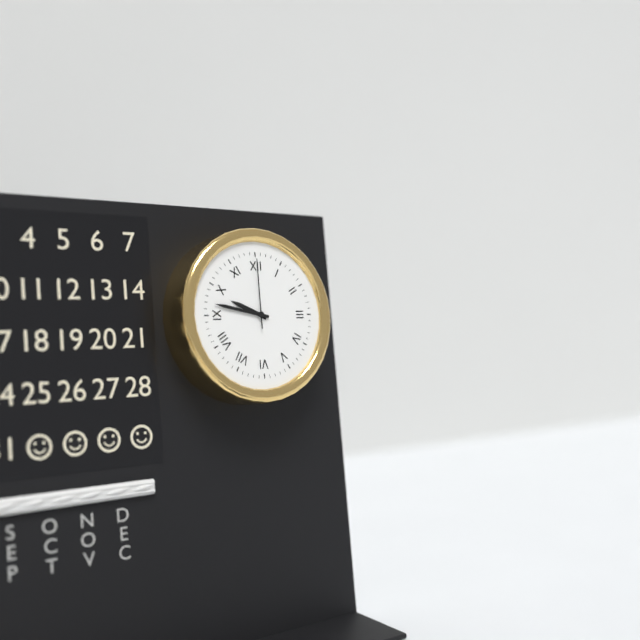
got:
**9:47:00**
